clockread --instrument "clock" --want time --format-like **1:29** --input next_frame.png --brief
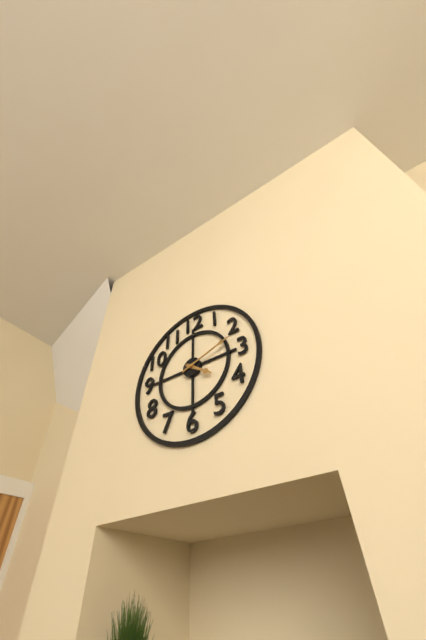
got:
**4:12**
